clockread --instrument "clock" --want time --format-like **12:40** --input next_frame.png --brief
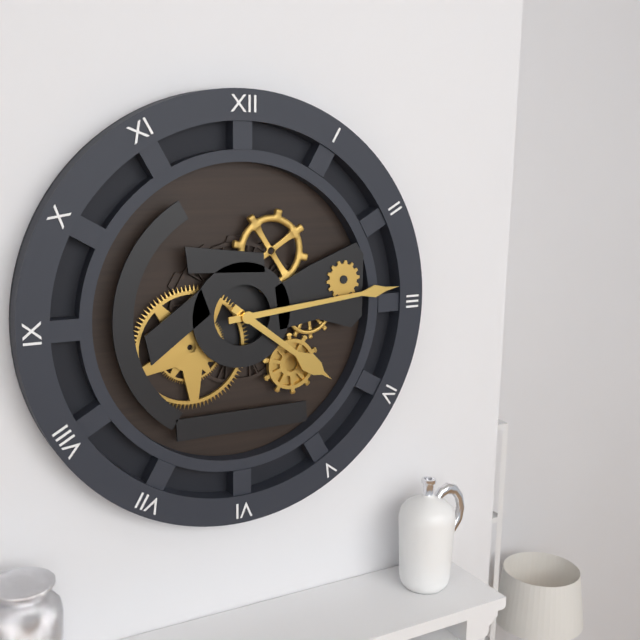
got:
**4:14**
